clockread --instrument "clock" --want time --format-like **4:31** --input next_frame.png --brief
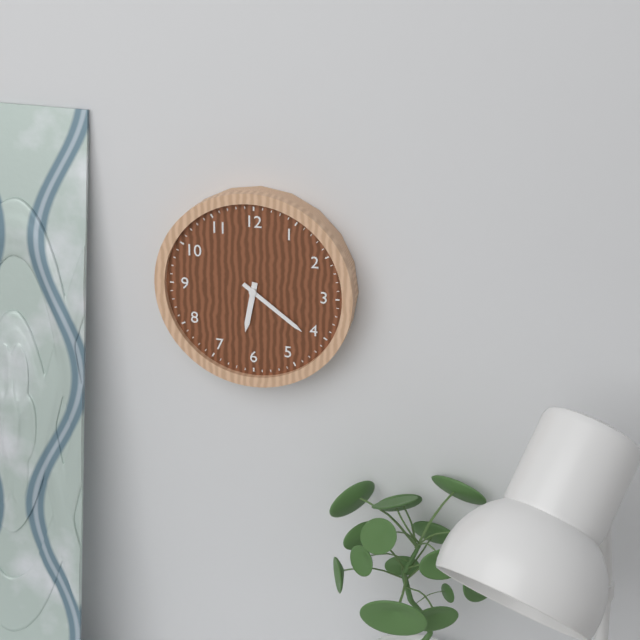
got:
**6:21**
